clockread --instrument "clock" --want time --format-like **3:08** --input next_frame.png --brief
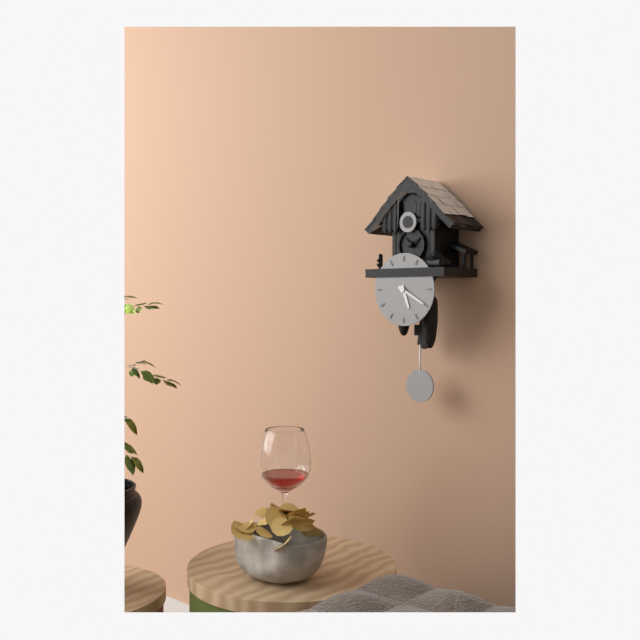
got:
**5:20**
